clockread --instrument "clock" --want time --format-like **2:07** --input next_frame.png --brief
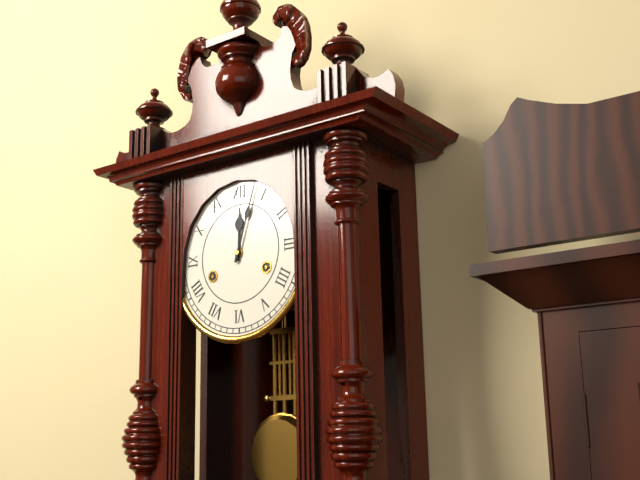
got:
**12:03**
